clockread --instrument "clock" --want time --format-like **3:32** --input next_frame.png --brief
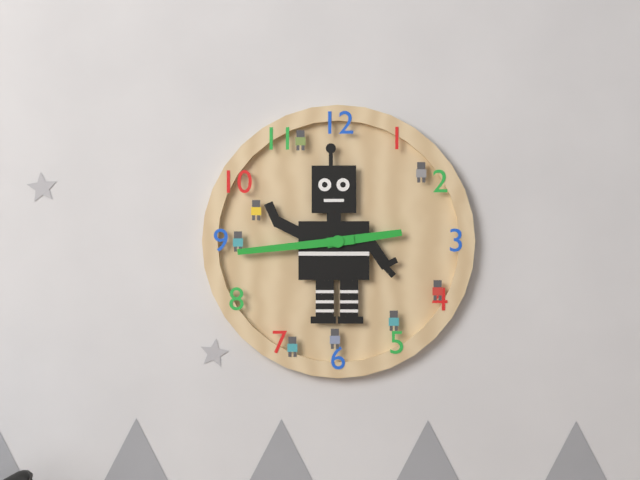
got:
**2:44**
